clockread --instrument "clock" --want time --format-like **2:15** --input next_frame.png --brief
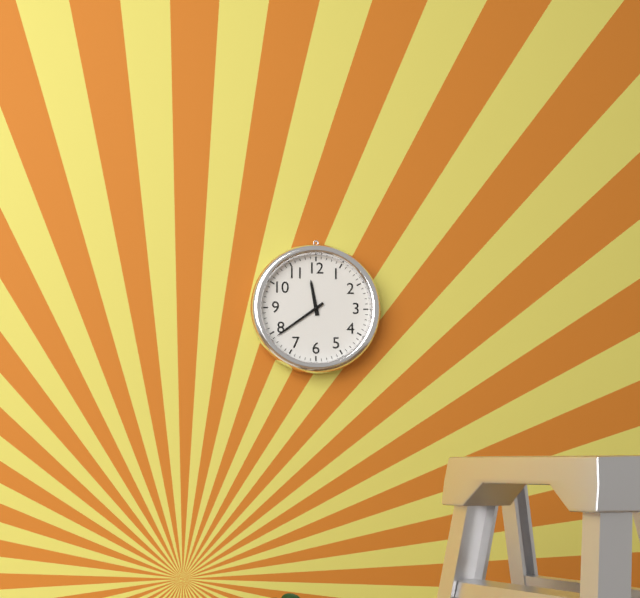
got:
**11:39**
